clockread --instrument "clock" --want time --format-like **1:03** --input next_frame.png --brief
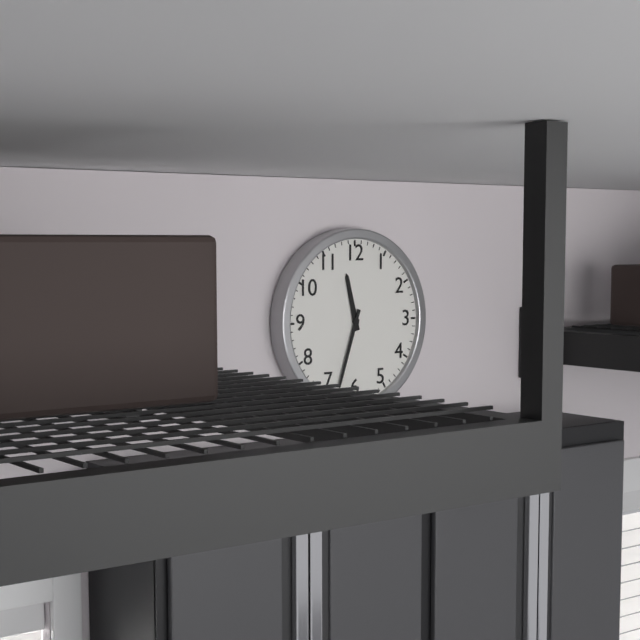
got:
**11:33**
